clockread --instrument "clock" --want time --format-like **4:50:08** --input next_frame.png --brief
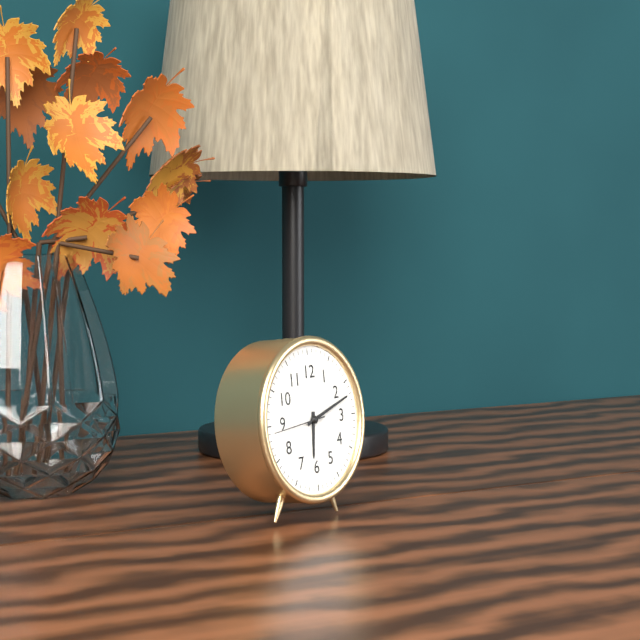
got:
**6:12:44**
